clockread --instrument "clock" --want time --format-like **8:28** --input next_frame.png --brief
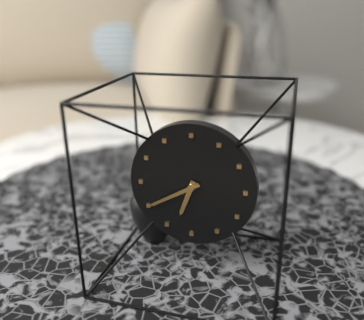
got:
**6:40**
